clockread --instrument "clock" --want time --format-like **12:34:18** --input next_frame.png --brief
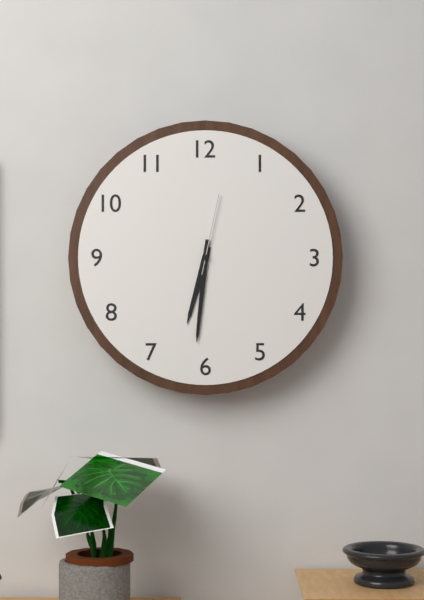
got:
**6:31:02**
